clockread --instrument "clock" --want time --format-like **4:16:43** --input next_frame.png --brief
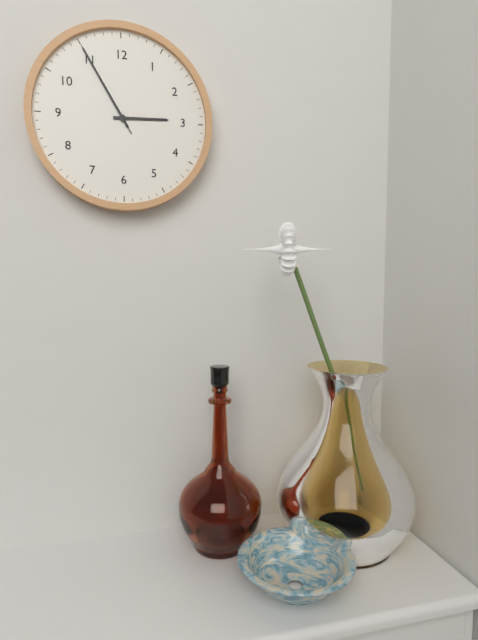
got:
**2:55:55**
